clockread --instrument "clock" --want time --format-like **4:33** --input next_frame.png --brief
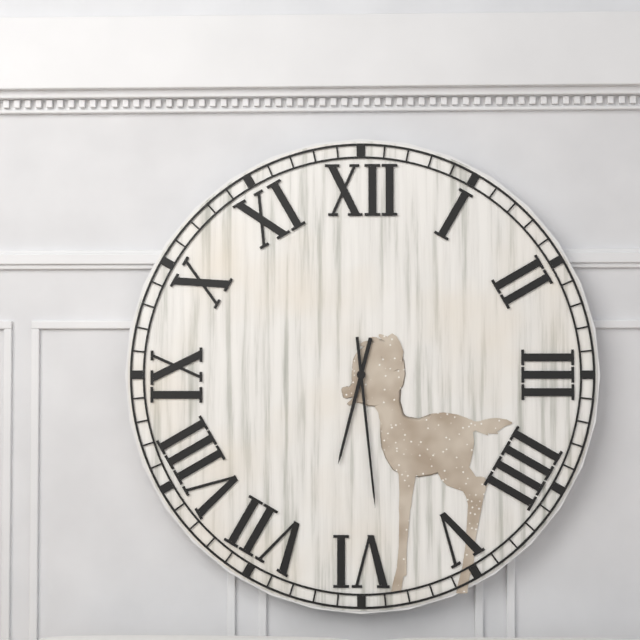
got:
**6:29**
